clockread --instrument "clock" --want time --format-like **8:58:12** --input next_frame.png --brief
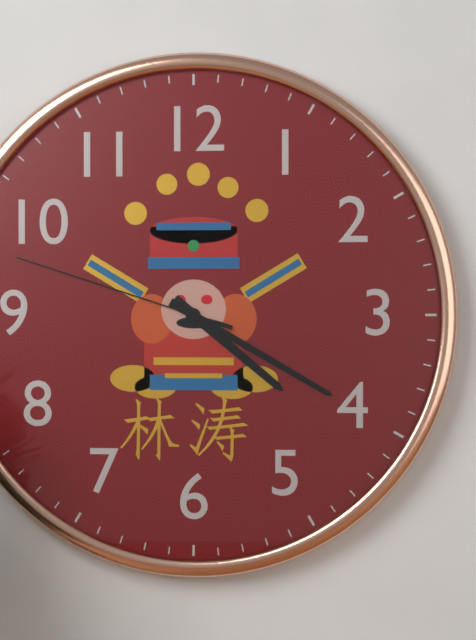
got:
**4:20:48**
